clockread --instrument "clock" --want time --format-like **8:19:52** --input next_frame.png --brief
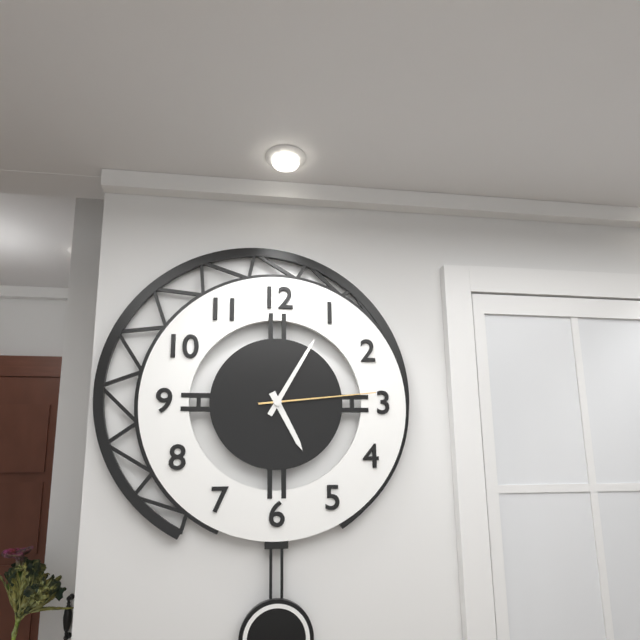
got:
**5:05:14**
